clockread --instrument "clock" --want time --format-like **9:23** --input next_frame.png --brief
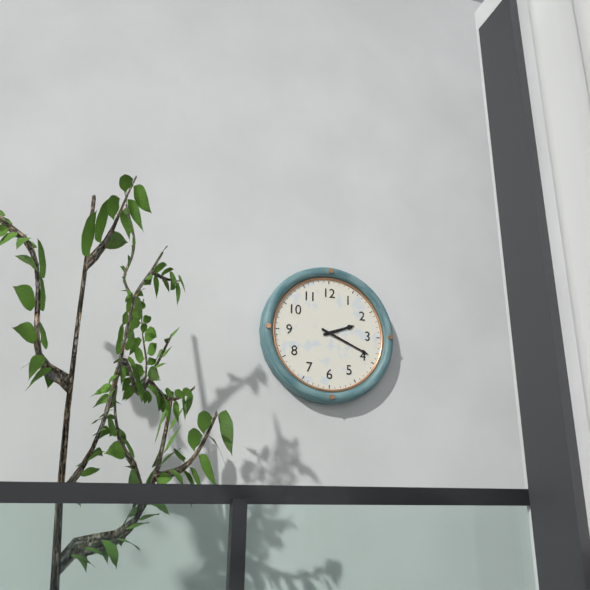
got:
**2:19**
